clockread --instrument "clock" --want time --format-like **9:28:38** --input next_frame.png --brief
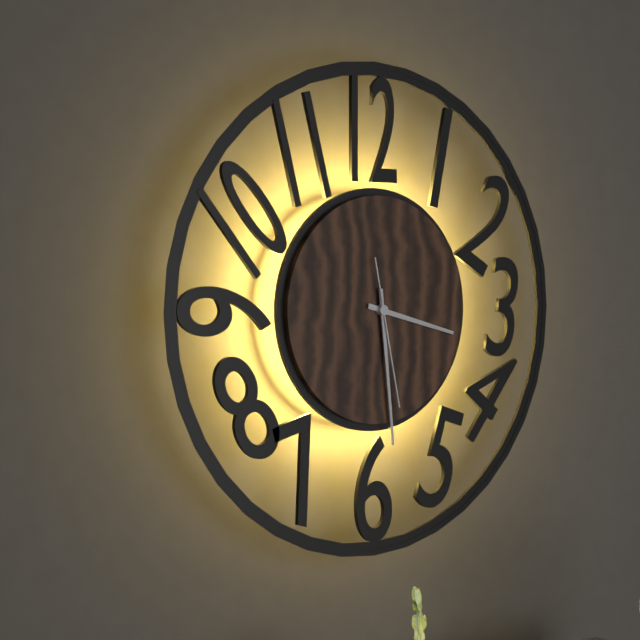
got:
**3:29:28**
